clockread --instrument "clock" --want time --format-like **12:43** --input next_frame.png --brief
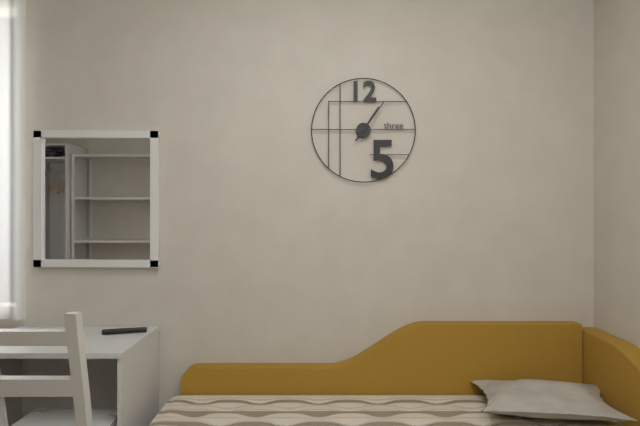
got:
**1:06**
